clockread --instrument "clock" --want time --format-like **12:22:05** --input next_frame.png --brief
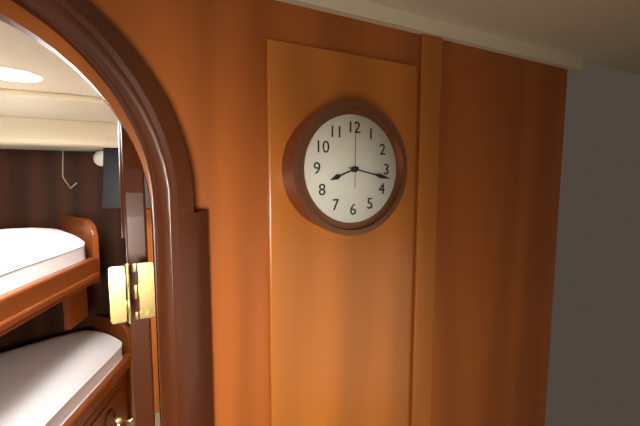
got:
**8:17:00**
